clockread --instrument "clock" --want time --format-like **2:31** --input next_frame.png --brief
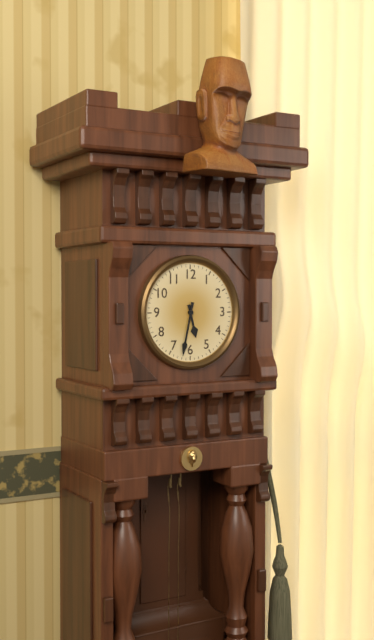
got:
**5:32**
